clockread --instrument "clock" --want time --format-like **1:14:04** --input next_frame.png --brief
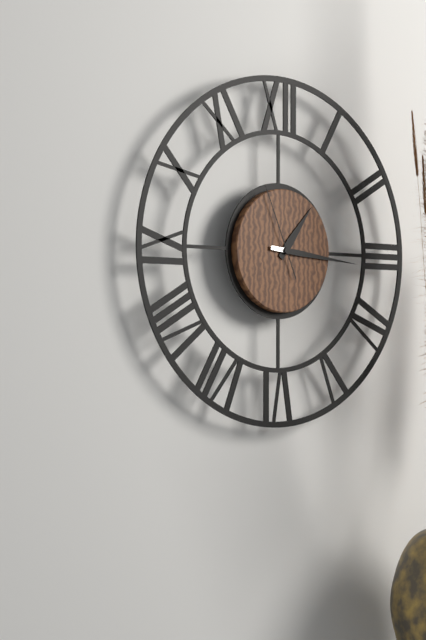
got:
**1:16:56**
